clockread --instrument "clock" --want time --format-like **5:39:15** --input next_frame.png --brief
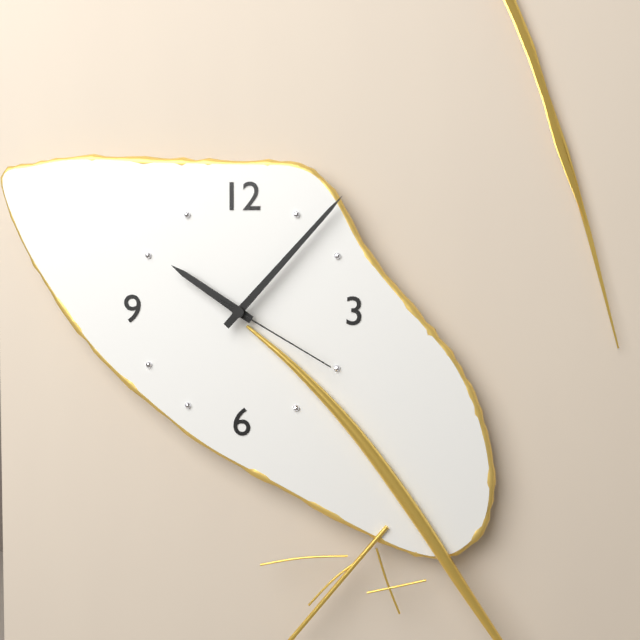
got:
**10:07:20**
